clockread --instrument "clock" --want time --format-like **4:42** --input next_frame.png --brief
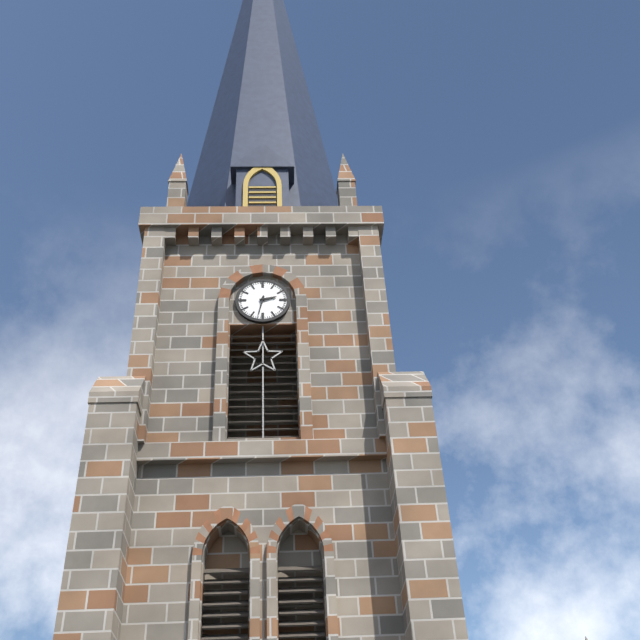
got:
**2:32**
